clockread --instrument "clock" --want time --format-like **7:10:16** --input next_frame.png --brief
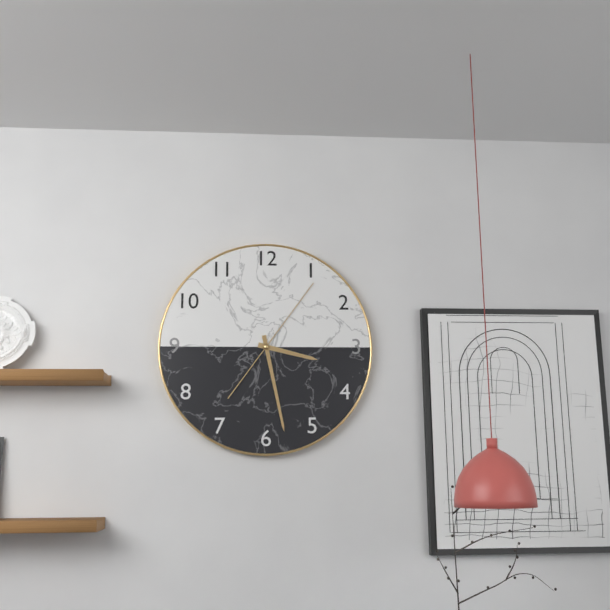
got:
**3:28:06**
